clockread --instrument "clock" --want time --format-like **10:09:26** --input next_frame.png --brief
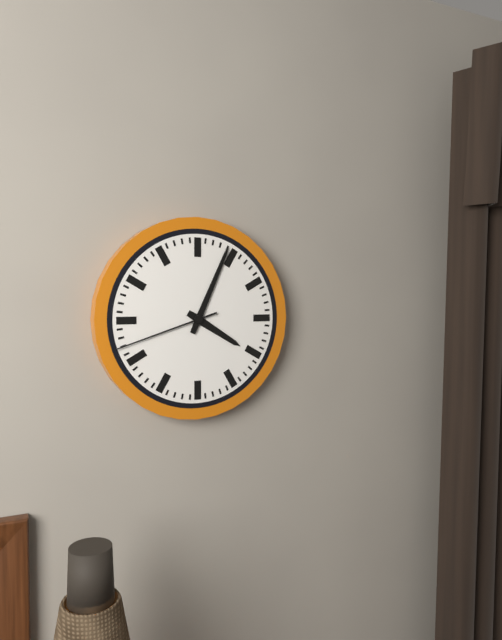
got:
**4:04:42**
